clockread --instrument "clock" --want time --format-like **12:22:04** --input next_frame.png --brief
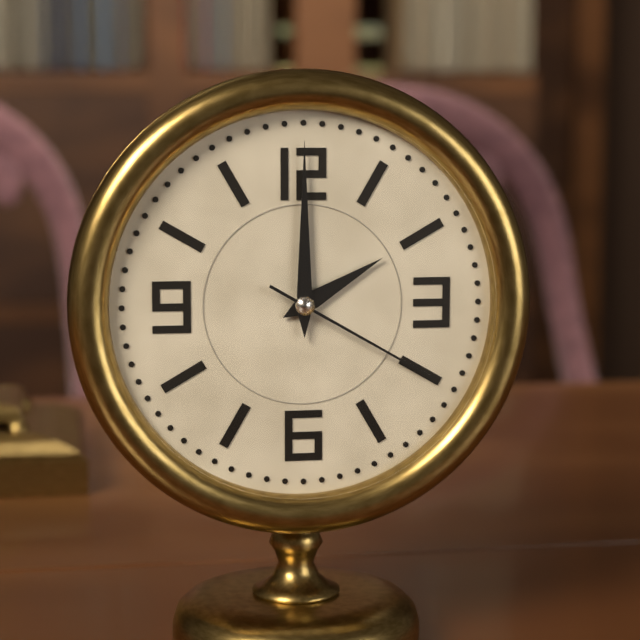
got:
**2:00:20**
